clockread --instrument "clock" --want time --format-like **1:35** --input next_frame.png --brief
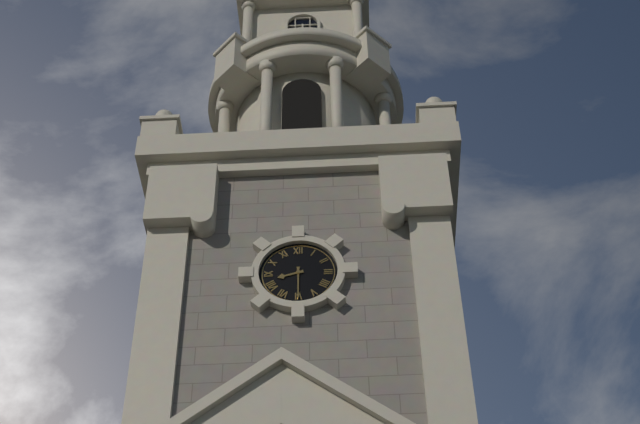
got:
**8:30**
